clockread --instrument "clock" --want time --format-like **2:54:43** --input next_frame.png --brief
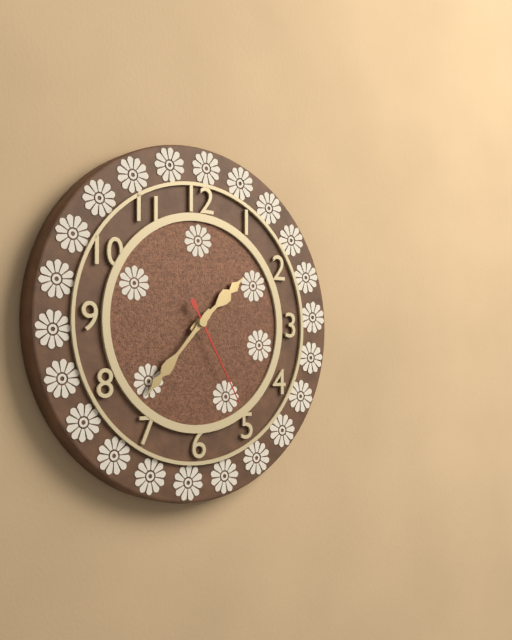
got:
**1:37:25**
